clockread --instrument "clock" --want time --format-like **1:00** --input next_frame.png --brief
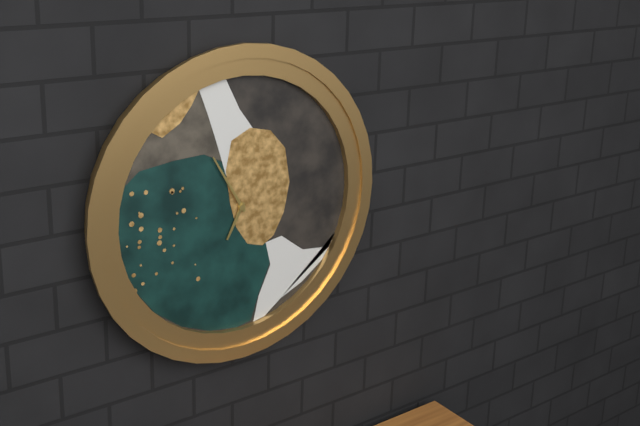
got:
**6:55**
